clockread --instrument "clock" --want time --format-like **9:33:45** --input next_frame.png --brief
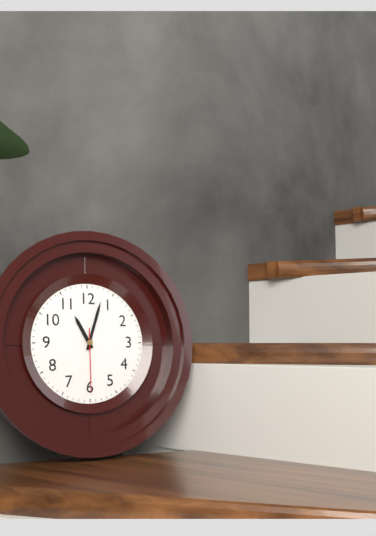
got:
**11:03:30**
